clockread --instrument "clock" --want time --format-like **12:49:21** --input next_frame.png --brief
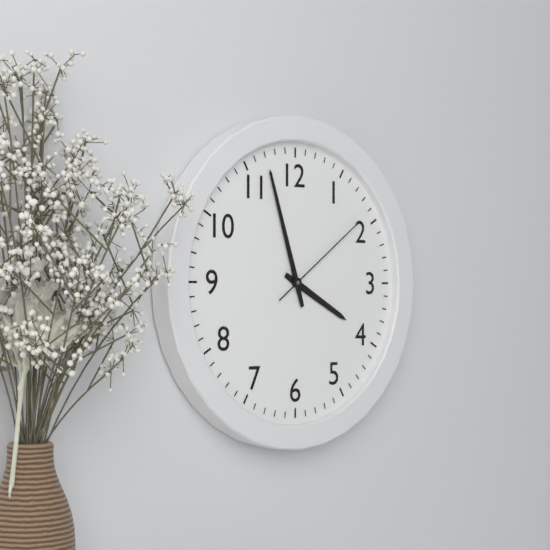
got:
**3:57:09**
